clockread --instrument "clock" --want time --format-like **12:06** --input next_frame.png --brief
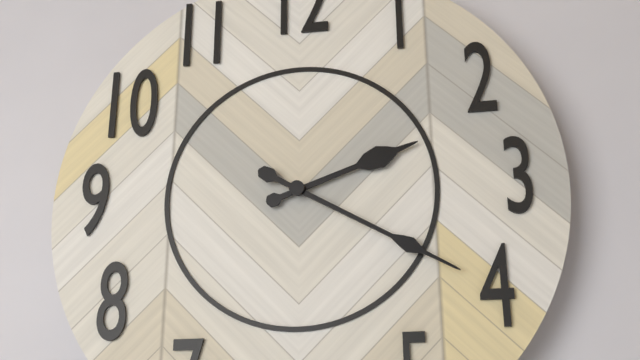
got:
**2:20**
